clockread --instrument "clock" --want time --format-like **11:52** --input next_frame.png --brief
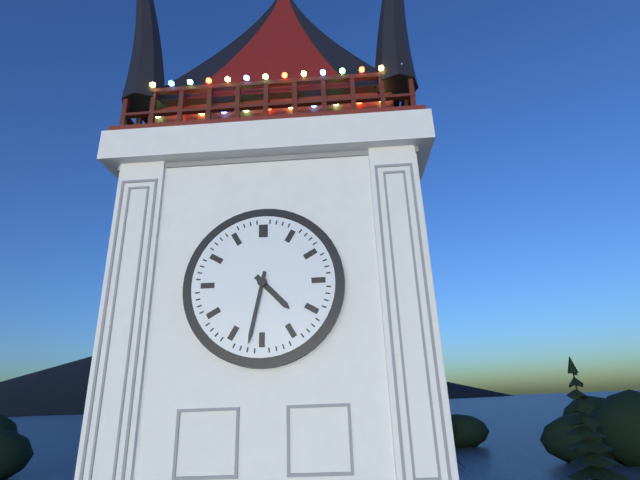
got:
**4:32**
